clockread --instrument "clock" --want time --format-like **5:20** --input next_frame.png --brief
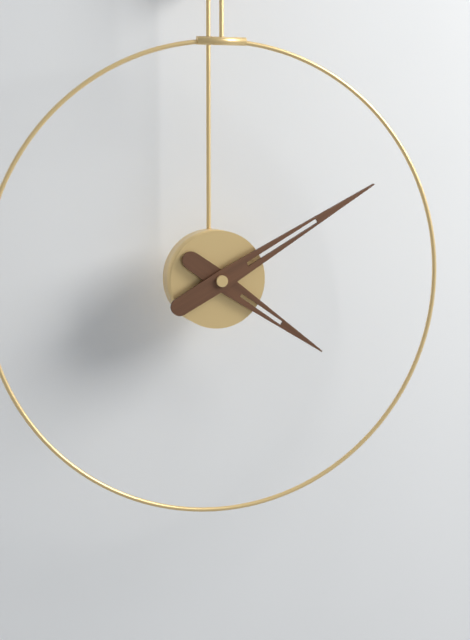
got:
**4:10**
